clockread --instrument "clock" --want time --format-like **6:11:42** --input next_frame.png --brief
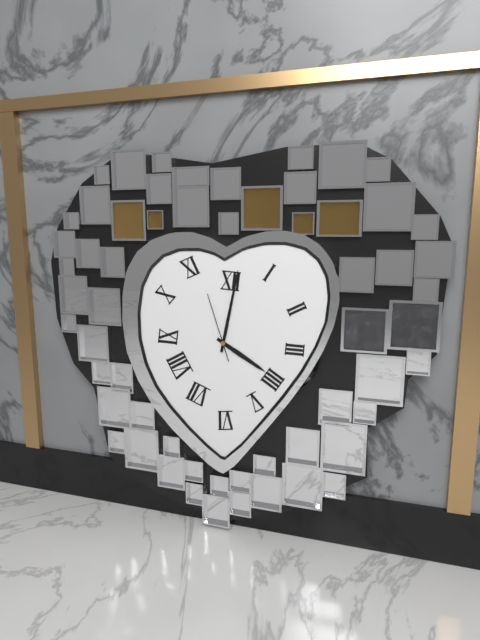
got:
**4:02:57**
